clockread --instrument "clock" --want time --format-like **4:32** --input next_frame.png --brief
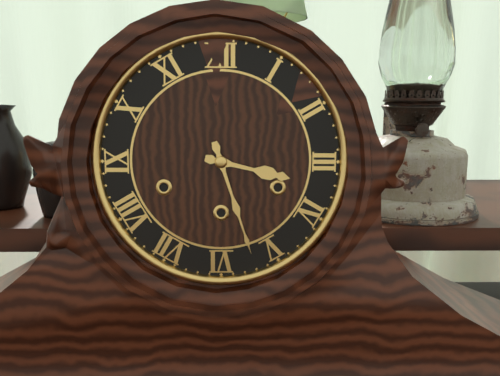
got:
**3:27**
